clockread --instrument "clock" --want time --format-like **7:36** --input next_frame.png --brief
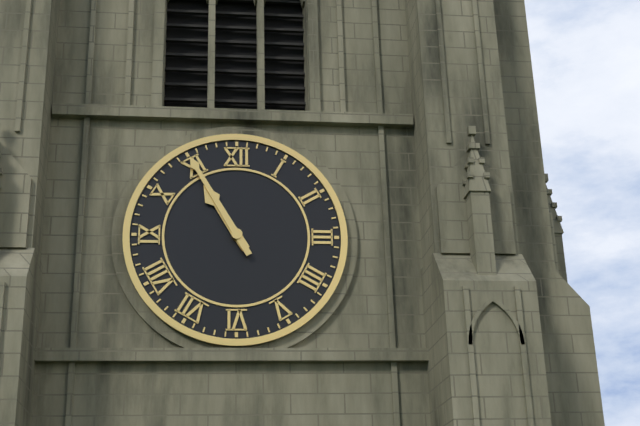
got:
**10:55**
